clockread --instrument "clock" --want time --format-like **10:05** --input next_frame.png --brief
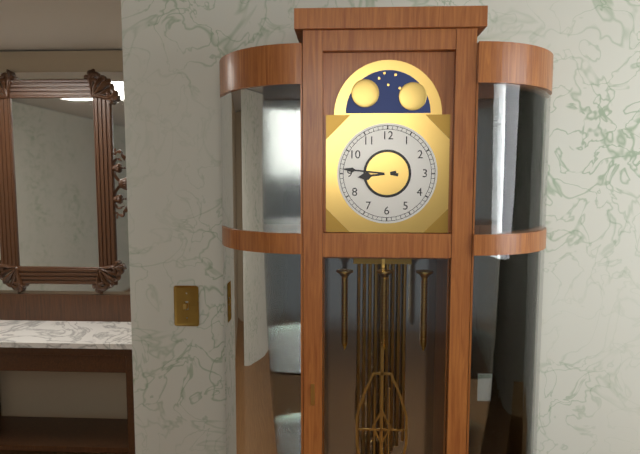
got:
**8:46**
